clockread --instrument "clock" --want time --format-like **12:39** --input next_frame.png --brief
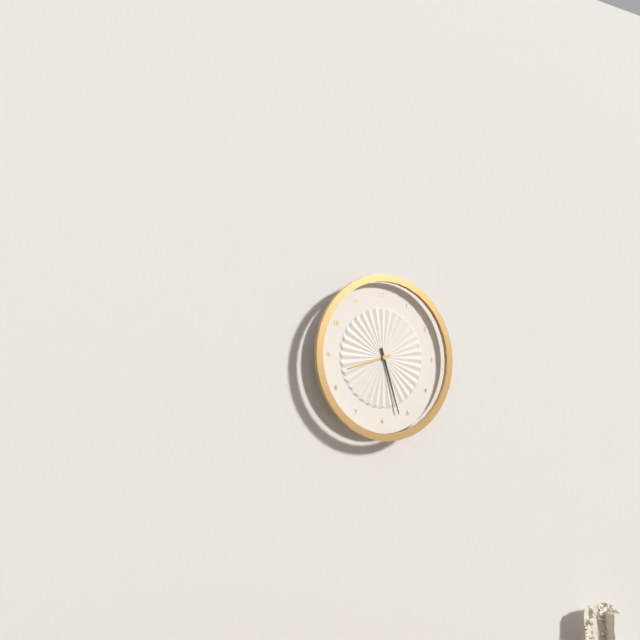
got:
**8:27**
